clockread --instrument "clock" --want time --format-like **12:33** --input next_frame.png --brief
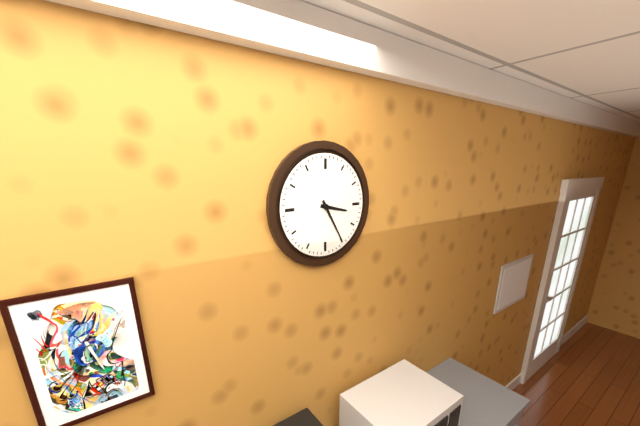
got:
**3:25**
